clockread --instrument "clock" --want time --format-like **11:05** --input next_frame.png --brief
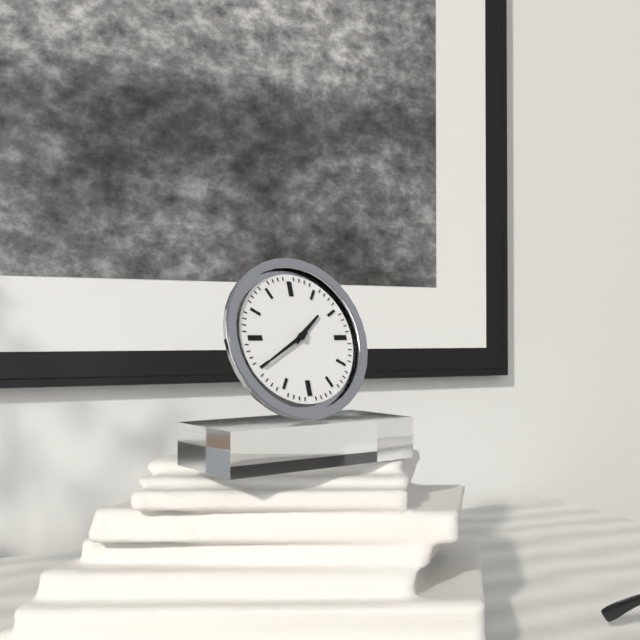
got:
**1:40**
